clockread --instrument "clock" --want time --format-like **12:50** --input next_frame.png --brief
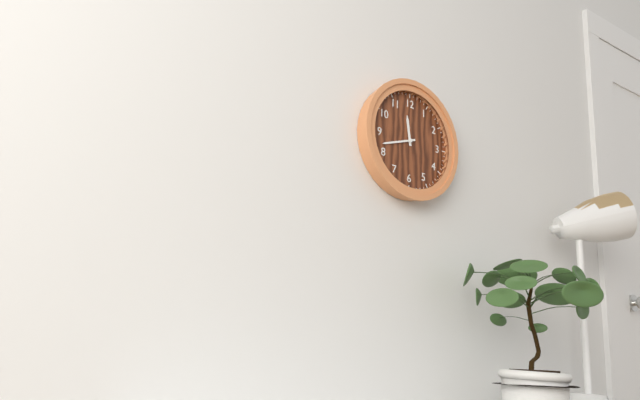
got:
**11:42**
